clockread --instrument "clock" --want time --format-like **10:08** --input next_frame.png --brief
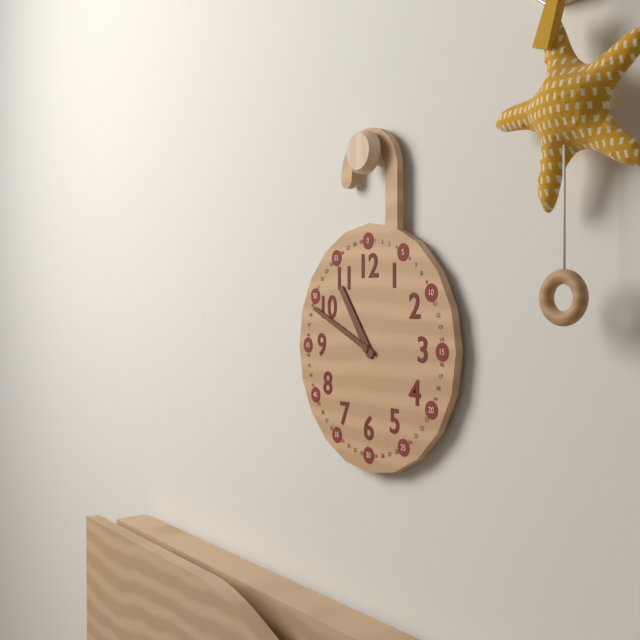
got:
**10:49**
